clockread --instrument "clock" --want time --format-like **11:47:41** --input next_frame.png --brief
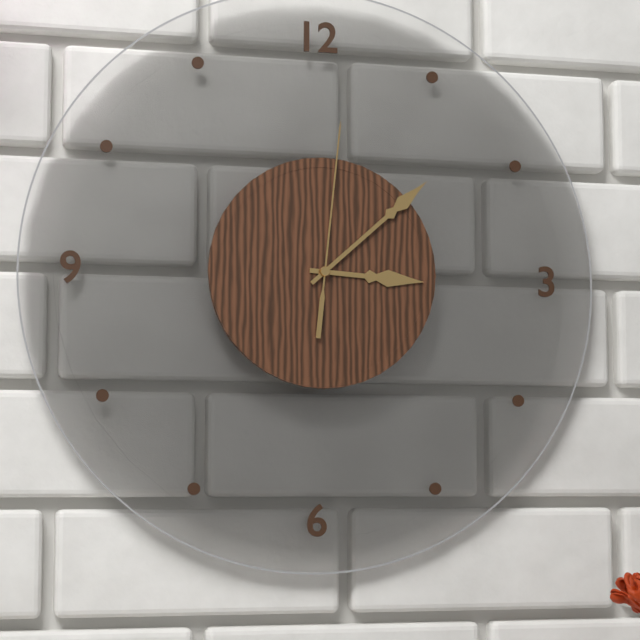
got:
**3:08:01**
